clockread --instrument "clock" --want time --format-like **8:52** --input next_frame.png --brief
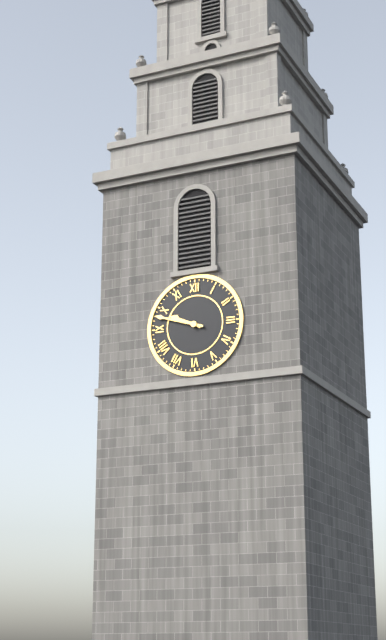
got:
**9:48**
